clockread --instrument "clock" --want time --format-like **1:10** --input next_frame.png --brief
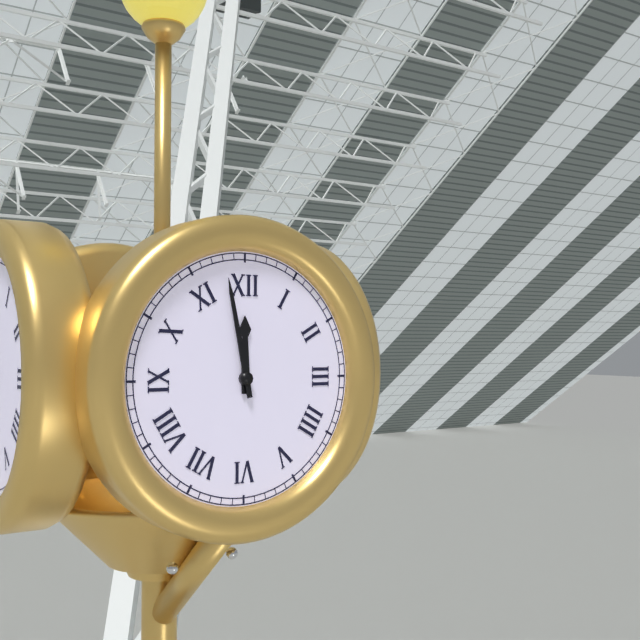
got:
**11:58**
